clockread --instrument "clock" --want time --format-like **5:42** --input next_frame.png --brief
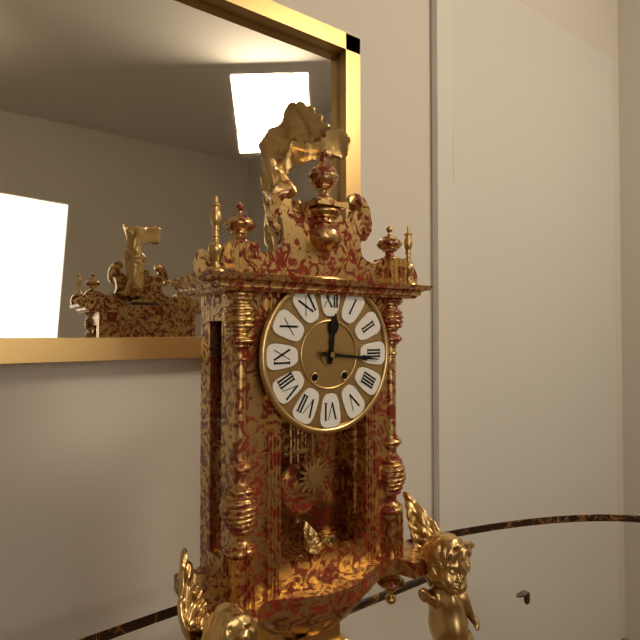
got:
**12:16**
